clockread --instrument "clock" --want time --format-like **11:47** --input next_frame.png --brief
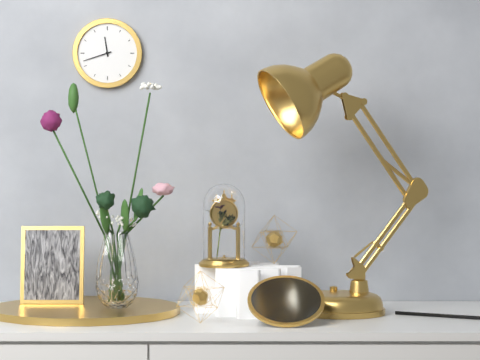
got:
**11:42**
